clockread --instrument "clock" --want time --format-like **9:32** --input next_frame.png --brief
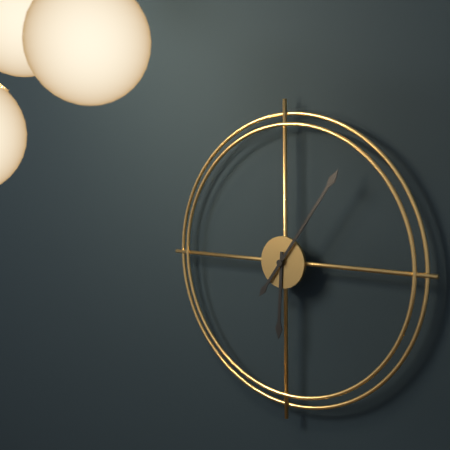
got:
**6:06**
